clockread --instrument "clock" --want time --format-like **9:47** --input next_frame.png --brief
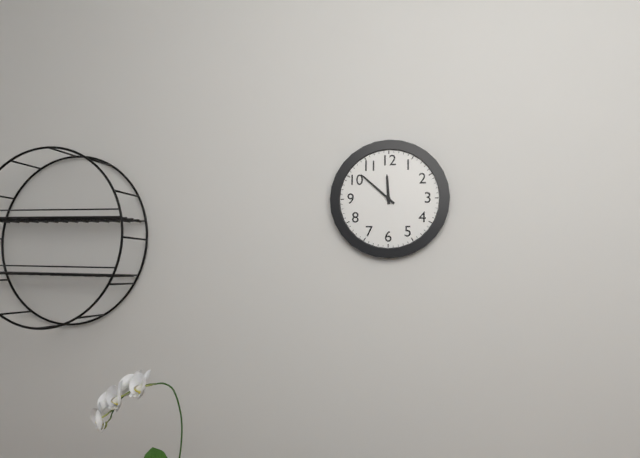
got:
**11:52**
